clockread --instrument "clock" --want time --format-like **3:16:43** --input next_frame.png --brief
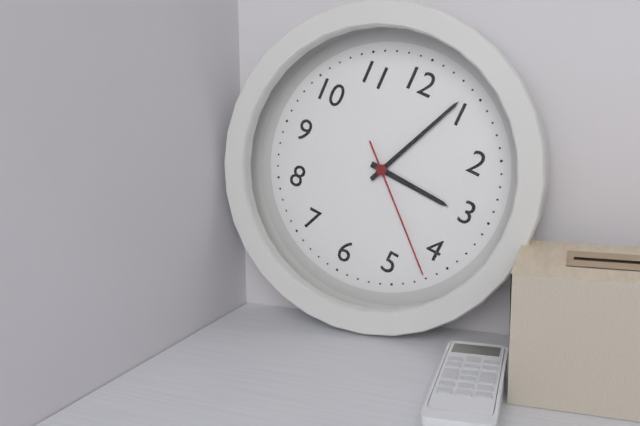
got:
**3:04:22**
